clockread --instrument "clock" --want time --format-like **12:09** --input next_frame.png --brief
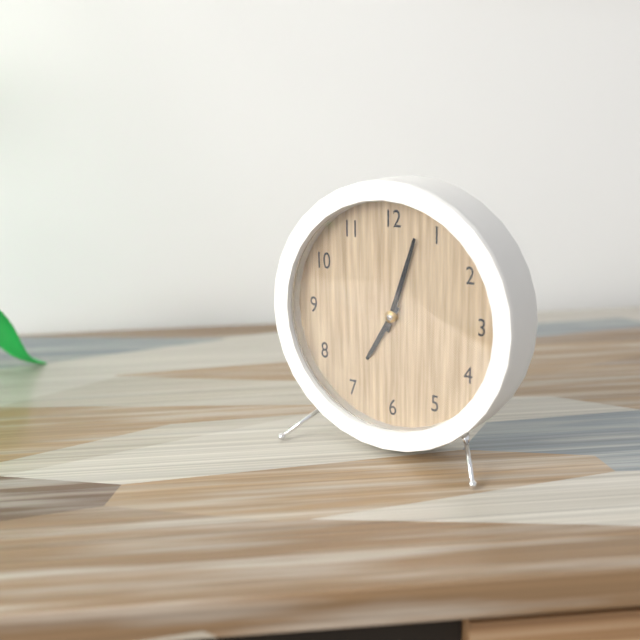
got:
**7:03**
